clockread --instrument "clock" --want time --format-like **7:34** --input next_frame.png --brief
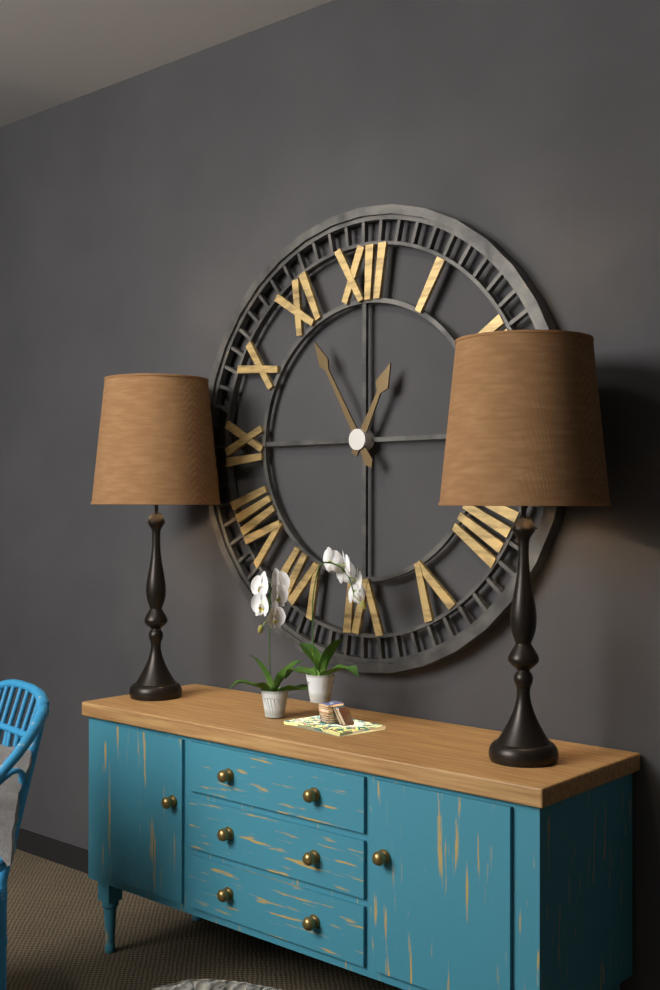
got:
**12:55**
